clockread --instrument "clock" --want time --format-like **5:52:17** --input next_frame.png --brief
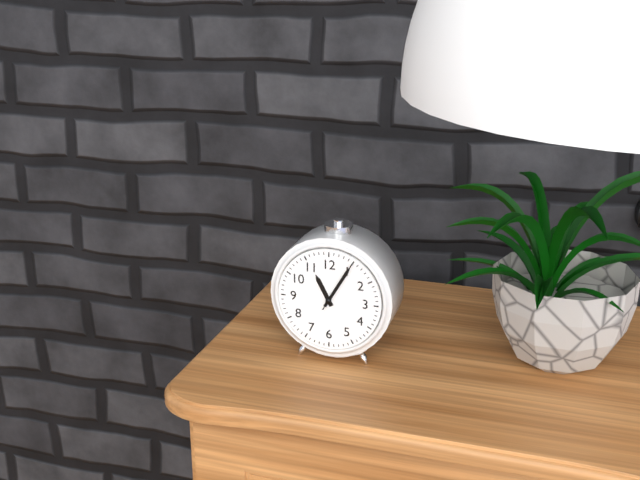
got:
**11:05:05**
